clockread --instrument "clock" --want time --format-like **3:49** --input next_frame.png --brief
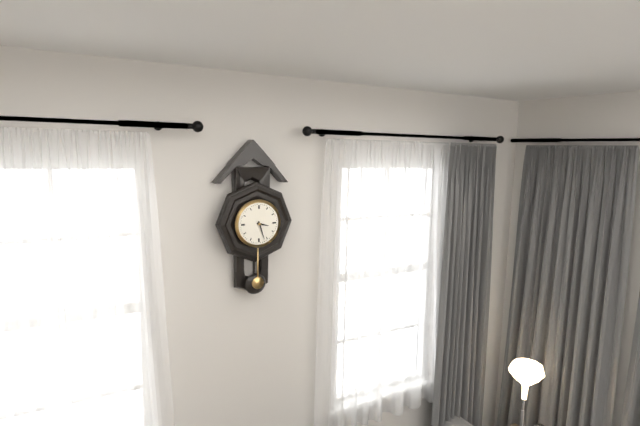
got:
**3:27**
